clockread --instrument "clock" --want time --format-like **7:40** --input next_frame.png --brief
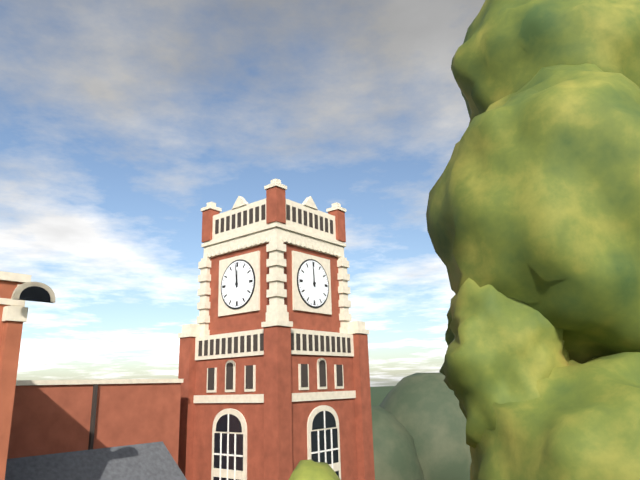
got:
**11:59**
